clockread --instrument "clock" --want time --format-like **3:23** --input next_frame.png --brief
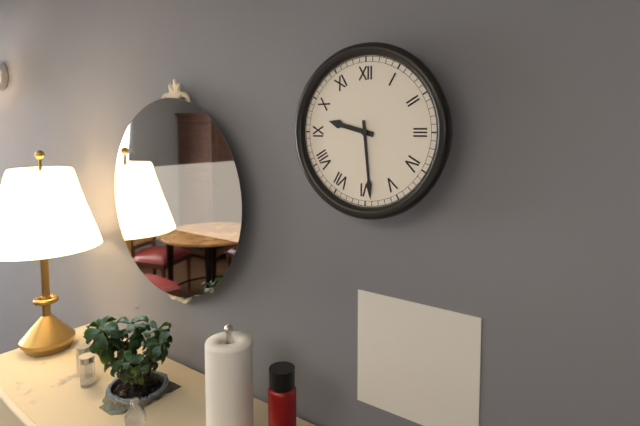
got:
**9:29**
